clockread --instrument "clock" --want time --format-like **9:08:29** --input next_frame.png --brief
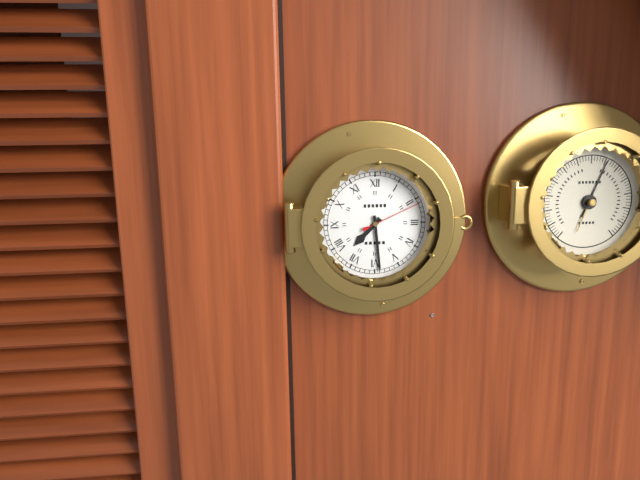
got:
**7:29:11**
